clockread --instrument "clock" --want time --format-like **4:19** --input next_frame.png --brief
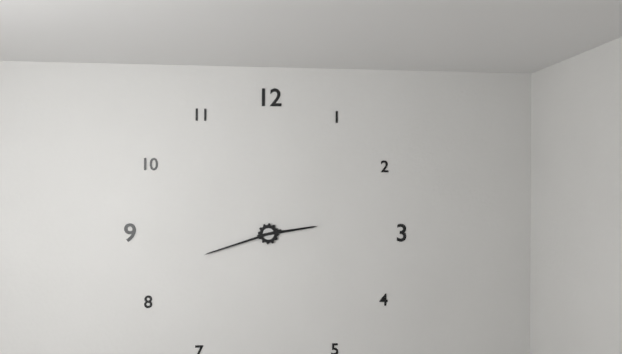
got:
**2:42**
